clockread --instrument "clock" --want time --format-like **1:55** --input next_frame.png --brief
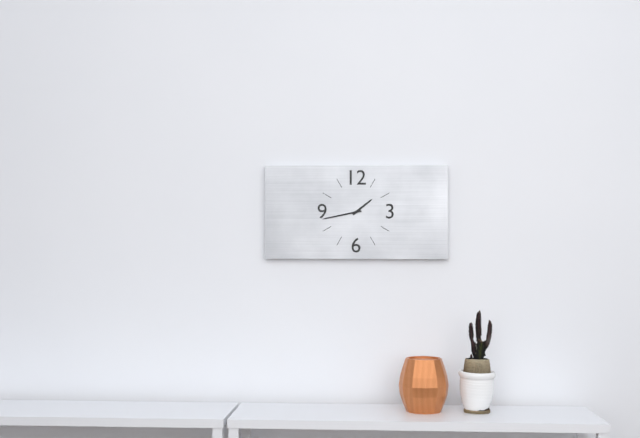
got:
**1:43**
